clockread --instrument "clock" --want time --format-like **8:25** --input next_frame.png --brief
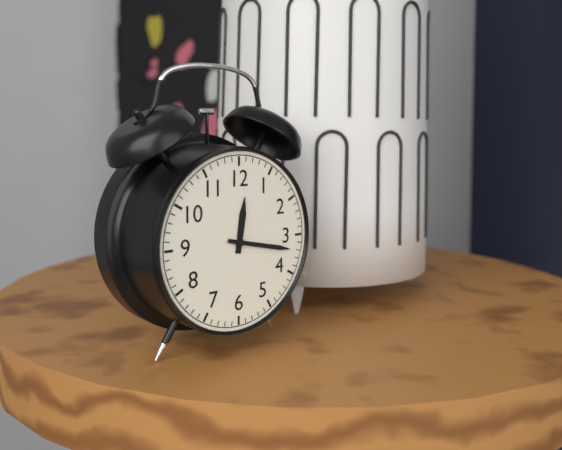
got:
**12:17**
